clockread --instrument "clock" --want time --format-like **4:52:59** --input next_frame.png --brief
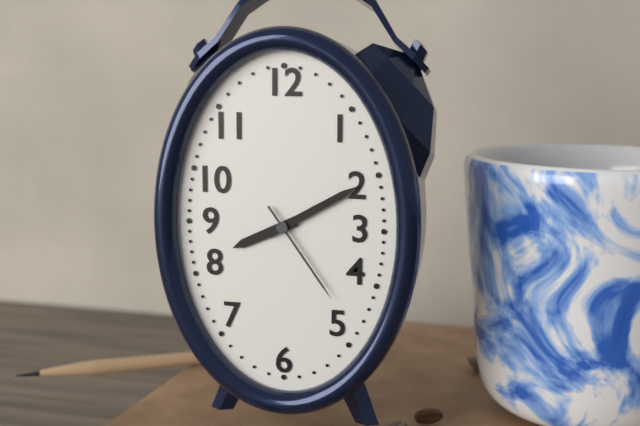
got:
**8:10:24**
